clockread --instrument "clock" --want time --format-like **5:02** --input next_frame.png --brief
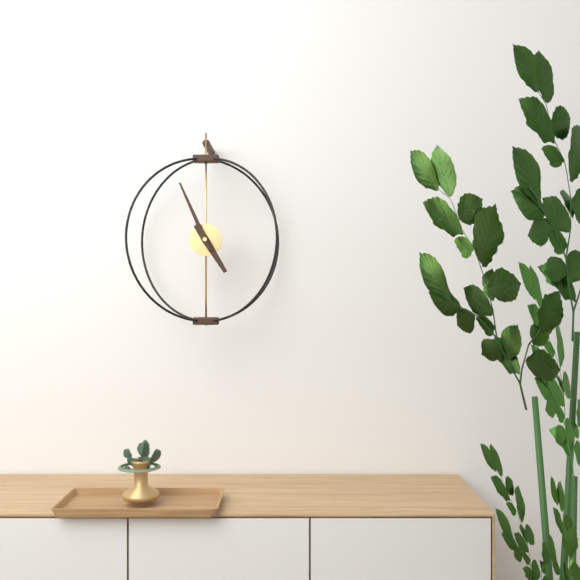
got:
**4:56**
